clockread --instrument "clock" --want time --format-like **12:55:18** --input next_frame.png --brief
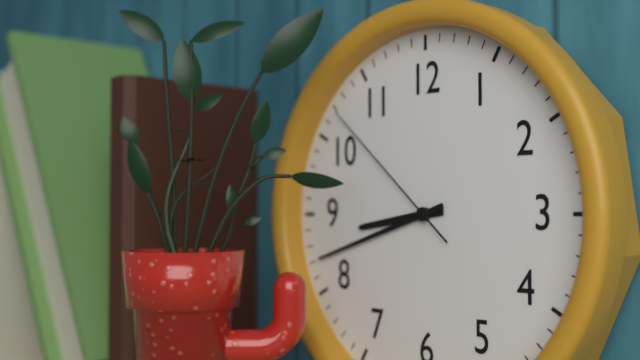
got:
**8:42:52**
